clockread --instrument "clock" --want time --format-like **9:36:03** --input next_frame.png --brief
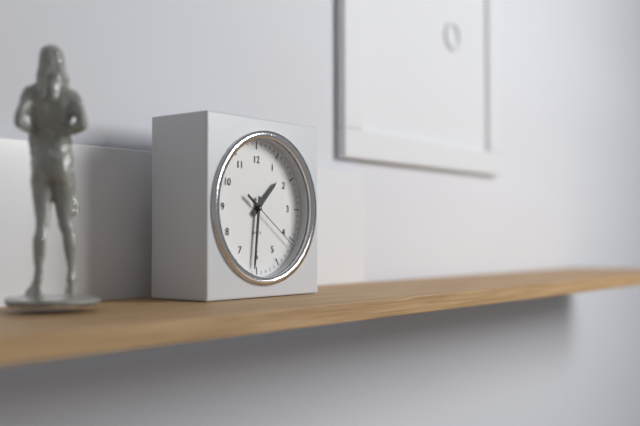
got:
**1:31:21**
